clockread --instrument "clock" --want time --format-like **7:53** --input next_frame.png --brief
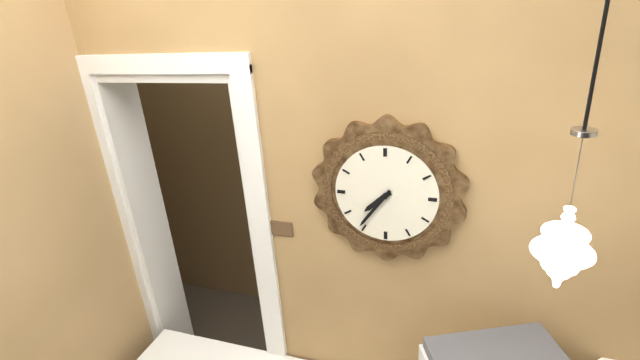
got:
**7:36**
